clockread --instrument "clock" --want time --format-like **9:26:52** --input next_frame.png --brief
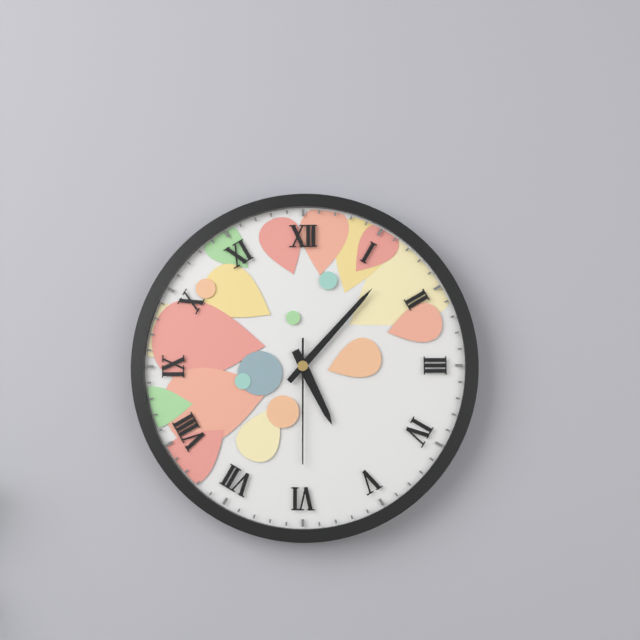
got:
**5:07:30**
